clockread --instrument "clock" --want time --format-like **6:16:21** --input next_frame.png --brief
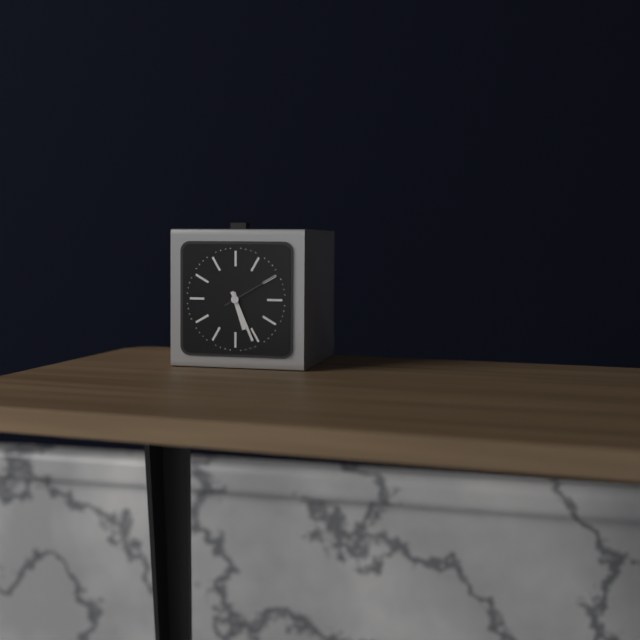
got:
**5:26:10**
